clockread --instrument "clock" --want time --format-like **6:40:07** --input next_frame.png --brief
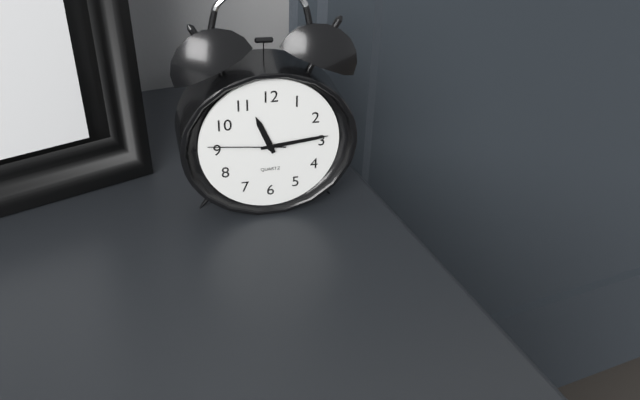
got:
**11:14:46**
